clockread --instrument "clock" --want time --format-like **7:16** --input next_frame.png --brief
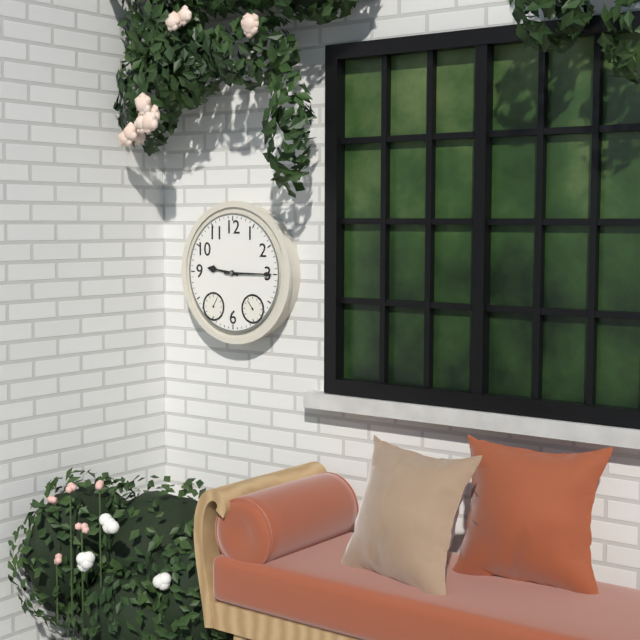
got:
**9:15**
